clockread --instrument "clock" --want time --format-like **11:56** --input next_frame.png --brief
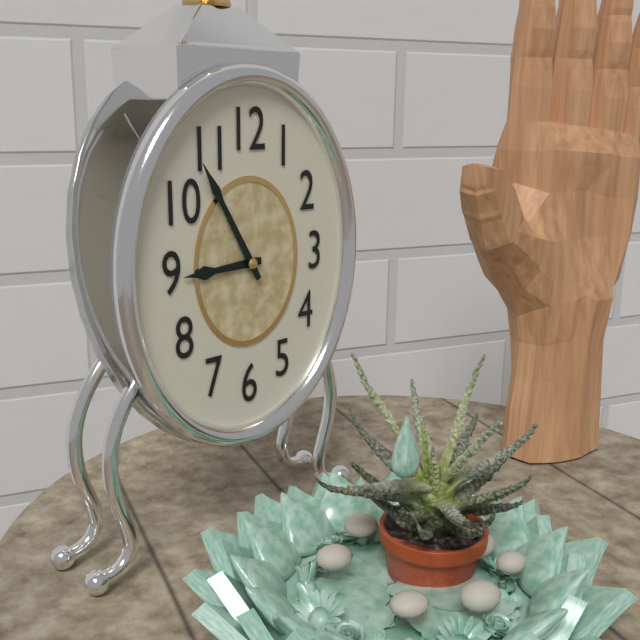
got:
**8:55**
